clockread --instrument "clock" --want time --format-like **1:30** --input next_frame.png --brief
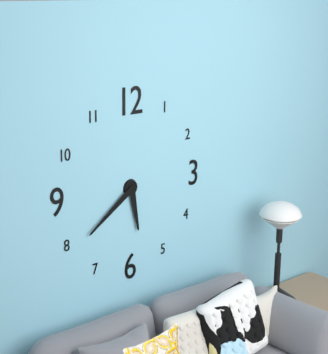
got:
**5:39**
